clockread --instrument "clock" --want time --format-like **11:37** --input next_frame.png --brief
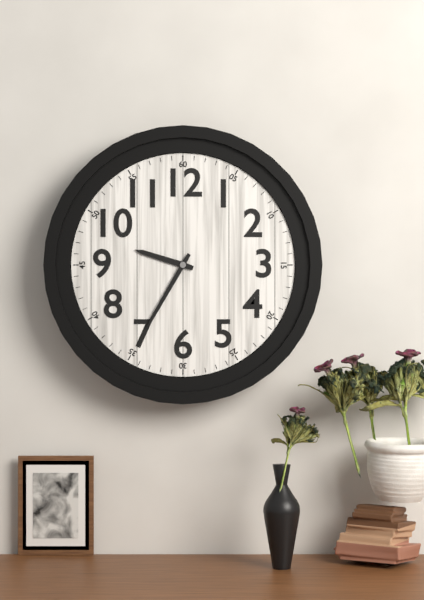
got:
**9:35**
